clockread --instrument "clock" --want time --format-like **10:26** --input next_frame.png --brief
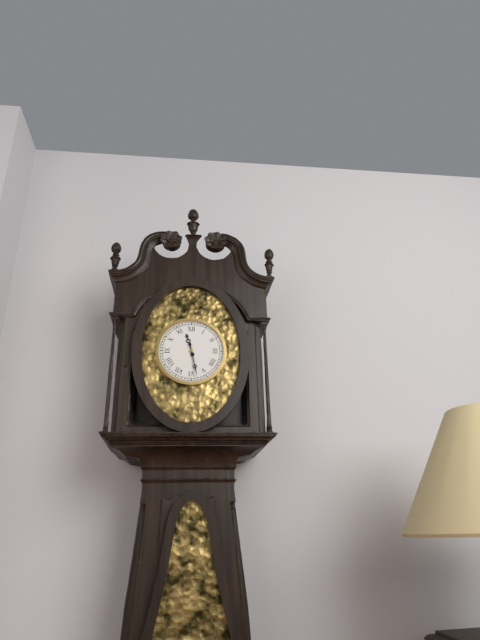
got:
**11:28**
